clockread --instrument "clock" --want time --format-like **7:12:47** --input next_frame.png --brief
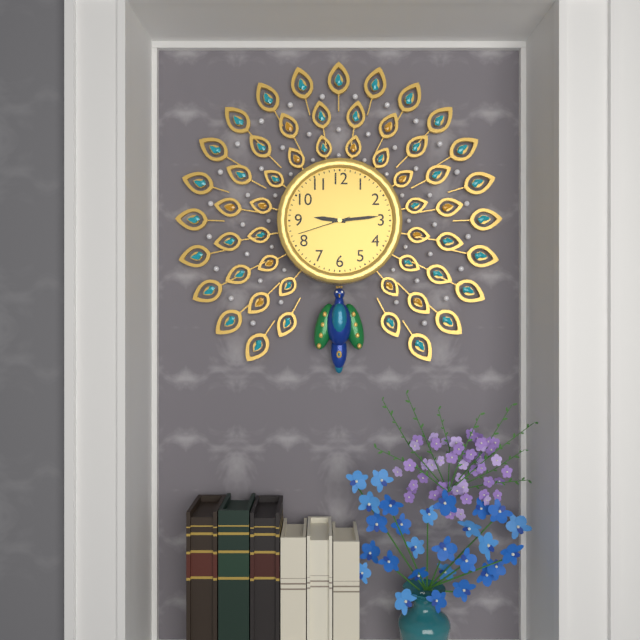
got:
**9:14:42**
